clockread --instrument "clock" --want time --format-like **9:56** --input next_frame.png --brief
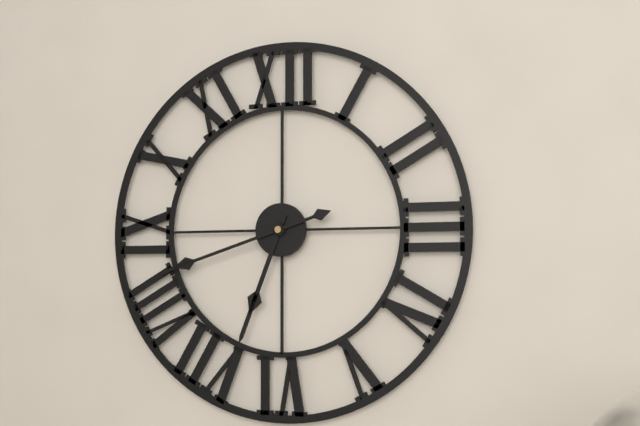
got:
**6:42**
